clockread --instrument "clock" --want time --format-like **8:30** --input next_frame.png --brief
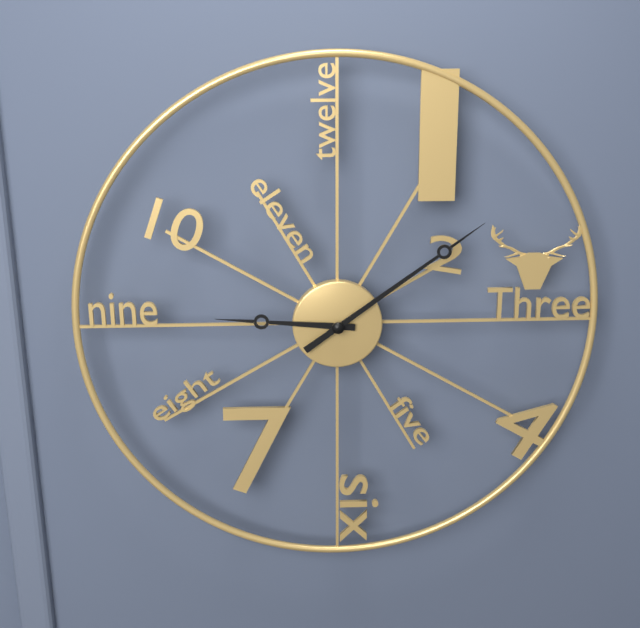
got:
**9:09**
